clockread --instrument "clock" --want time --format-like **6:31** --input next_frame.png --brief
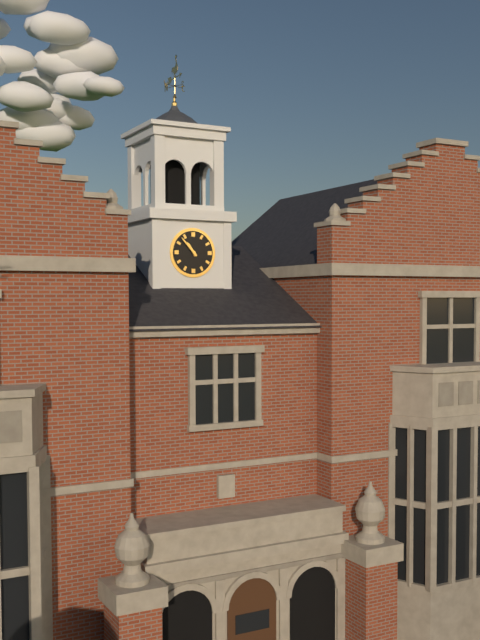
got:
**10:53**
